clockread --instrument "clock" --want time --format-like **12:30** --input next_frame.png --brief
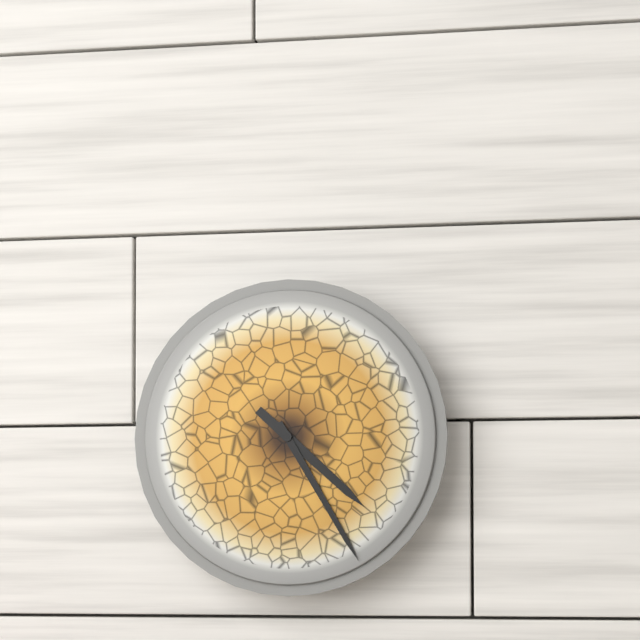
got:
**4:25**
